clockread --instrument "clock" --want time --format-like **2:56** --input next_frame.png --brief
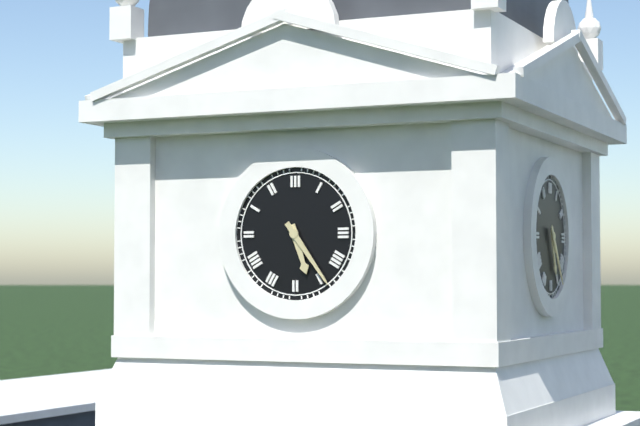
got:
**5:24**
